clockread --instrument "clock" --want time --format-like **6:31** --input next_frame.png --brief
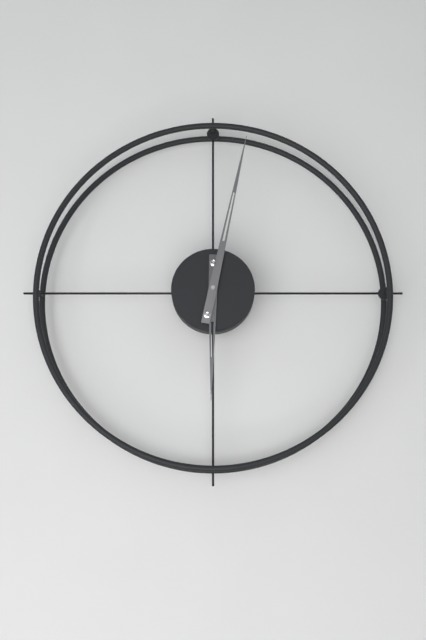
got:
**6:02**
